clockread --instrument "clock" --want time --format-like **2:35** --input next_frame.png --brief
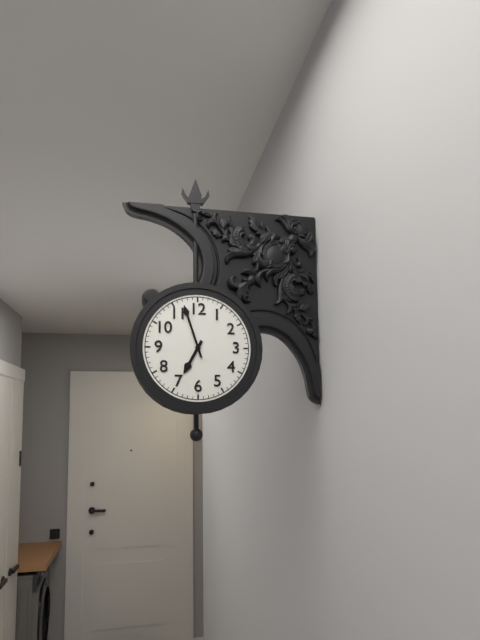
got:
**6:57**
